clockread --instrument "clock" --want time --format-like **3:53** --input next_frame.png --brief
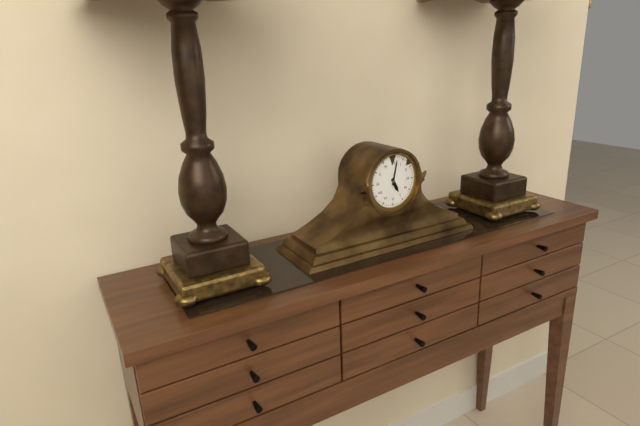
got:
**5:02**
